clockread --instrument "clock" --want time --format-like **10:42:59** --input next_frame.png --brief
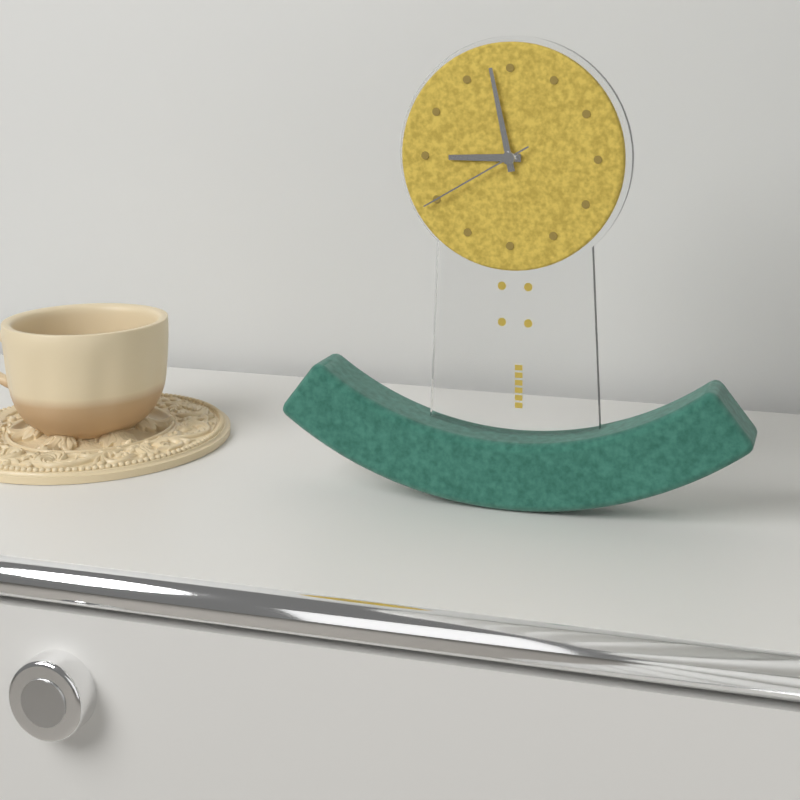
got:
**8:58:40**
